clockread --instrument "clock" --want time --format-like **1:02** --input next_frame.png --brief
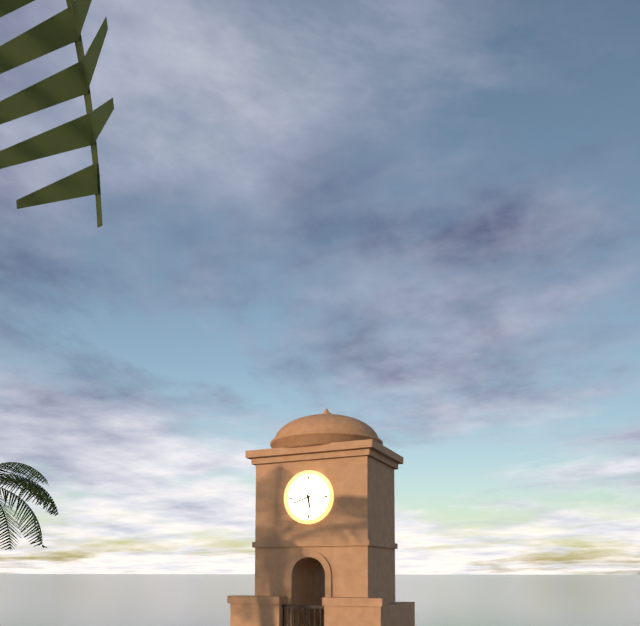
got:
**5:42**
